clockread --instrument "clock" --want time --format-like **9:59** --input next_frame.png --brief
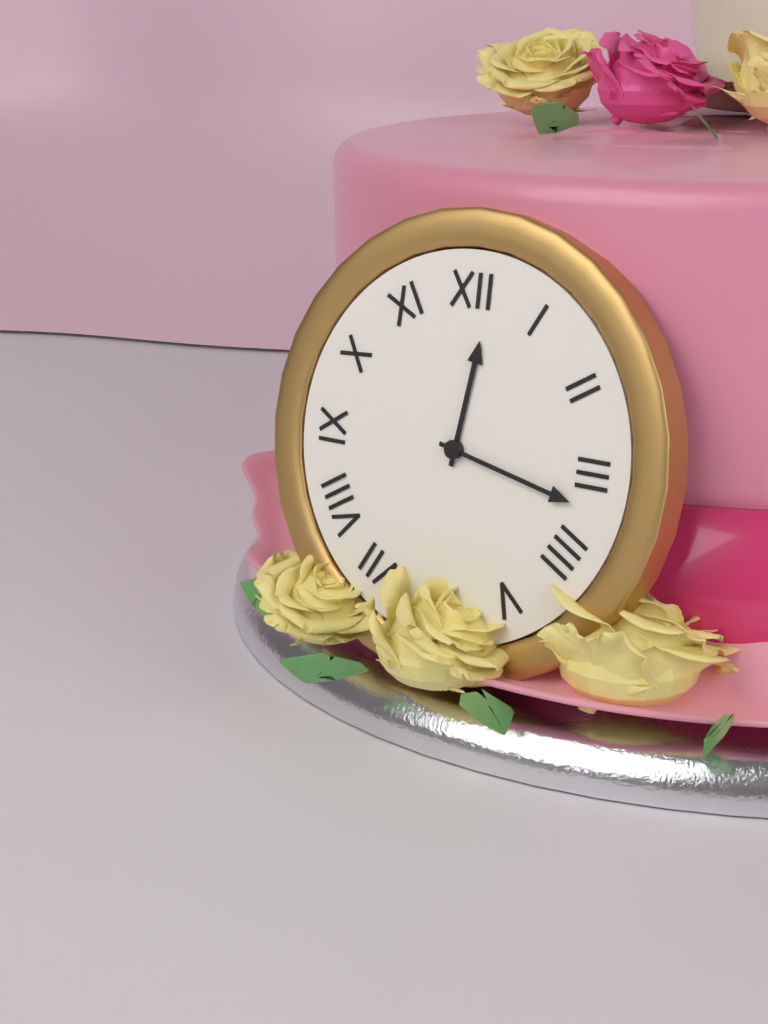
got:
**12:17**
